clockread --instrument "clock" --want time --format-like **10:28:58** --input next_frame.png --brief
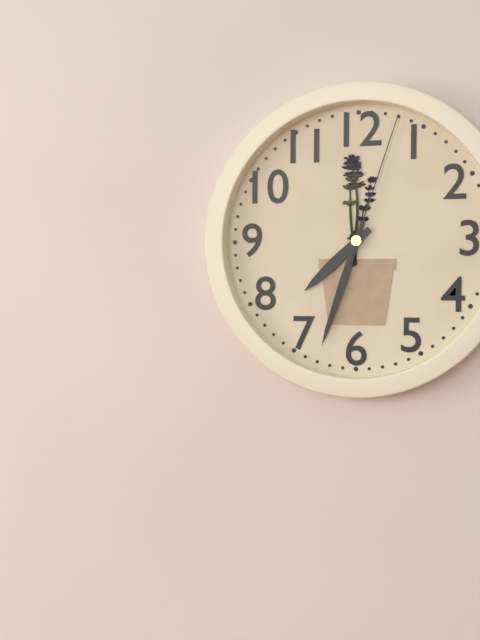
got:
**7:33:03**
